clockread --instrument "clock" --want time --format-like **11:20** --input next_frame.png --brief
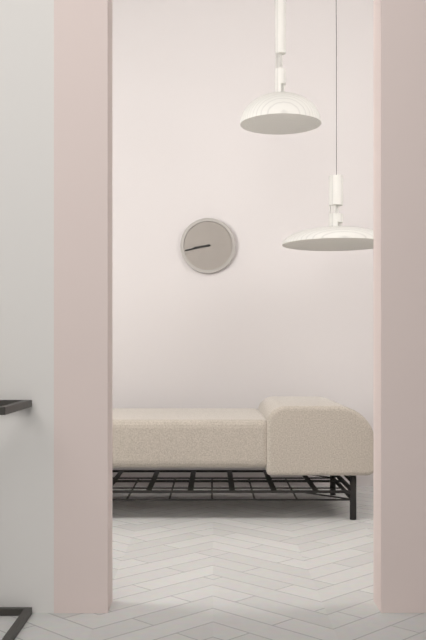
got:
**8:43**
